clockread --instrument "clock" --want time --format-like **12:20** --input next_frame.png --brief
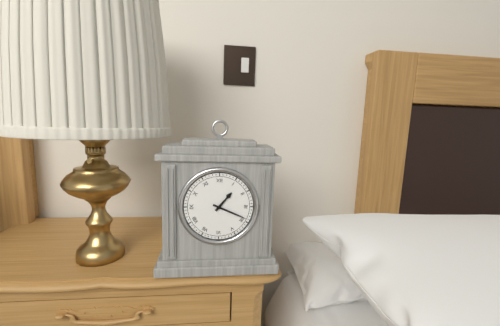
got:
**1:19**
